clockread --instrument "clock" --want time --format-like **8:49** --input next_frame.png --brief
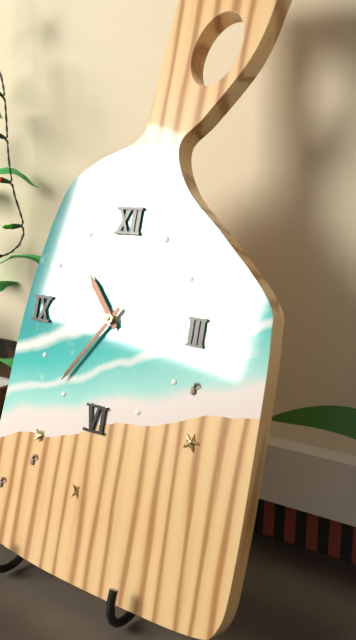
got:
**10:36**
